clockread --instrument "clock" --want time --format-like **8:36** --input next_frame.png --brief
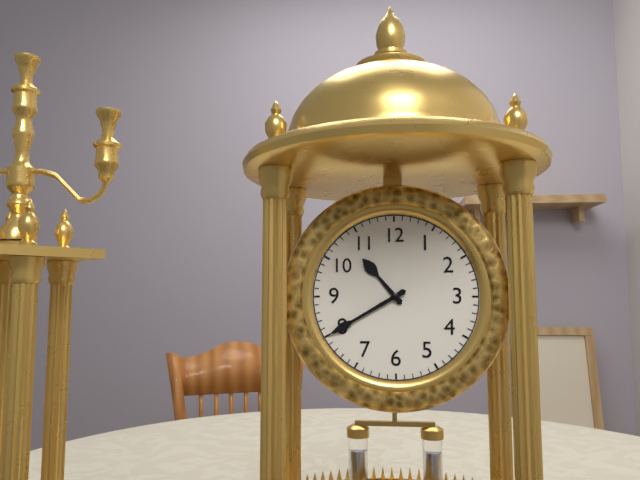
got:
**10:40**
